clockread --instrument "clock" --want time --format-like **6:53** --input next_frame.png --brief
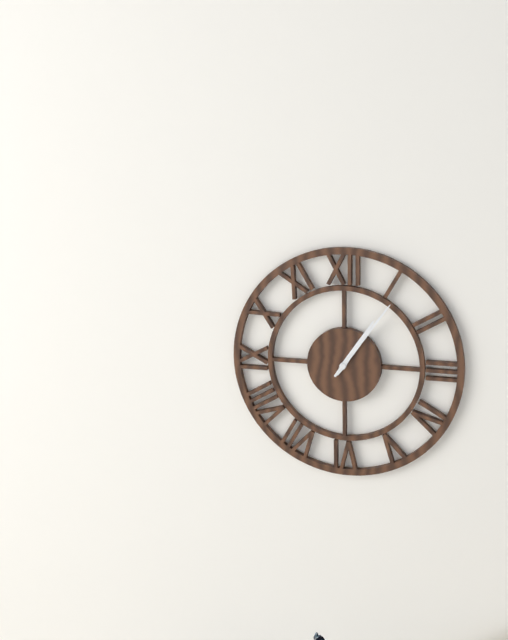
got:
**1:06**
